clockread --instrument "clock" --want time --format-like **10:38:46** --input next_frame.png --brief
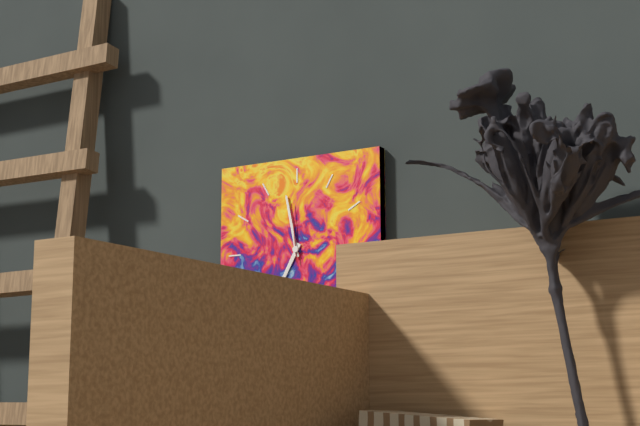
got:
**6:58:59**
